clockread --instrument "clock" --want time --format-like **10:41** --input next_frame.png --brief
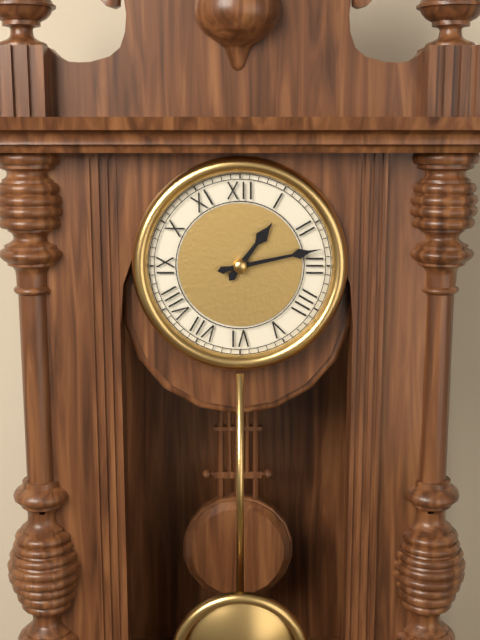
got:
**1:13**
